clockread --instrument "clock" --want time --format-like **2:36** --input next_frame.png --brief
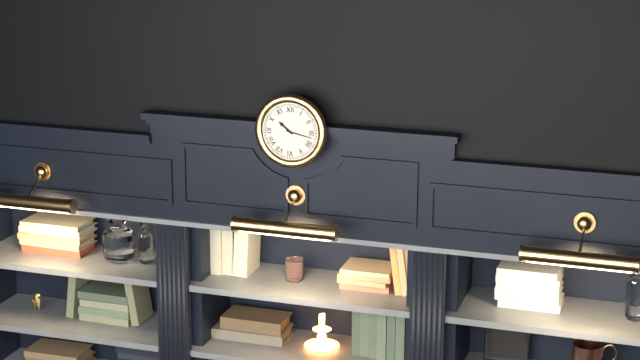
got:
**10:17**
